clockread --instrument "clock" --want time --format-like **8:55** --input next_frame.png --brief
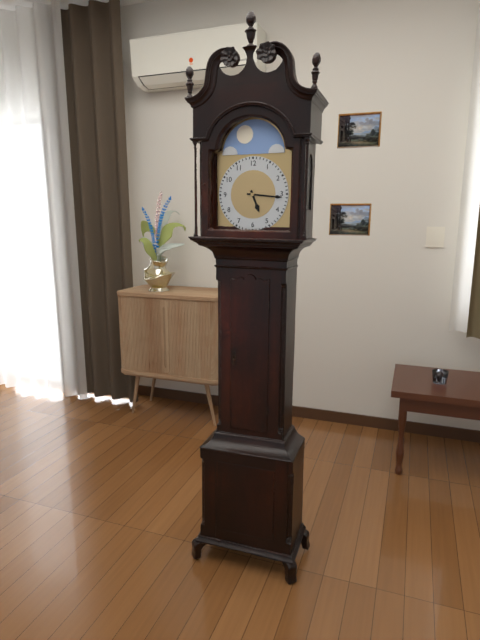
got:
**5:16**
